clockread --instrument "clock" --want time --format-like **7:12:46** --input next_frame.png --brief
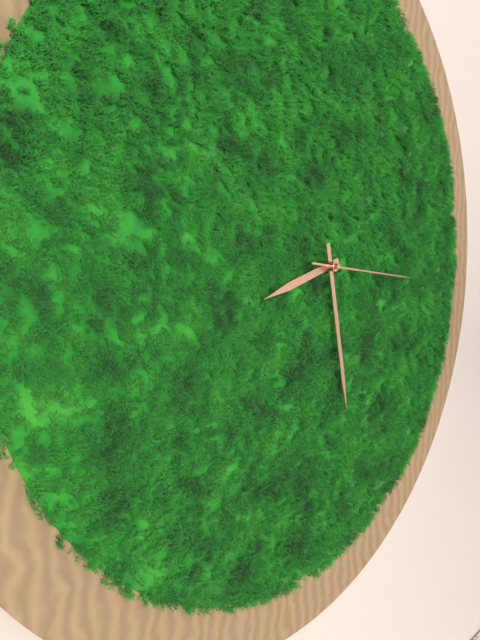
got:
**8:28:16**
